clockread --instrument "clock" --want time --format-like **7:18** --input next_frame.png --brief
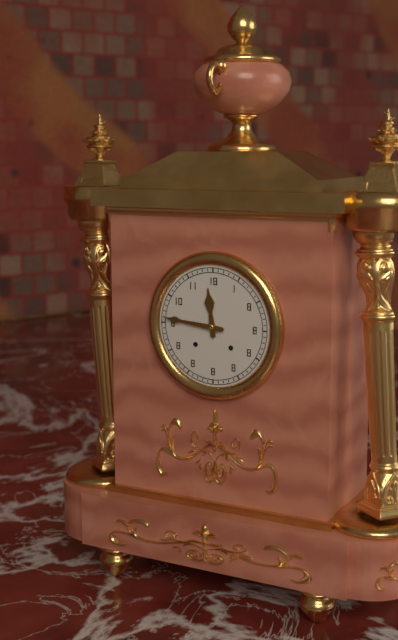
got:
**11:46**
